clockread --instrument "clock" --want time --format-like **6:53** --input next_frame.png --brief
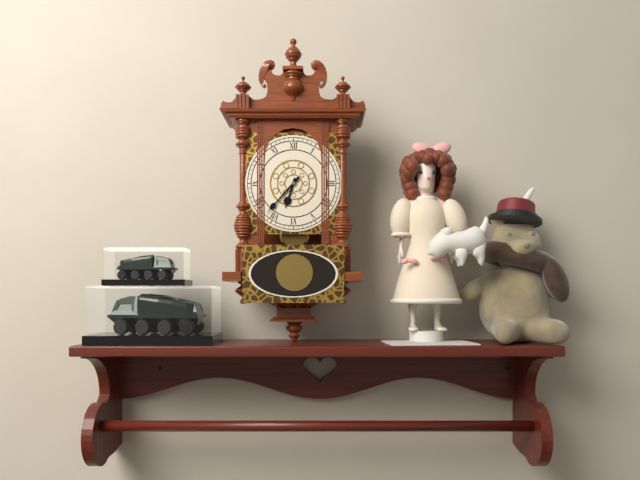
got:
**6:37**
